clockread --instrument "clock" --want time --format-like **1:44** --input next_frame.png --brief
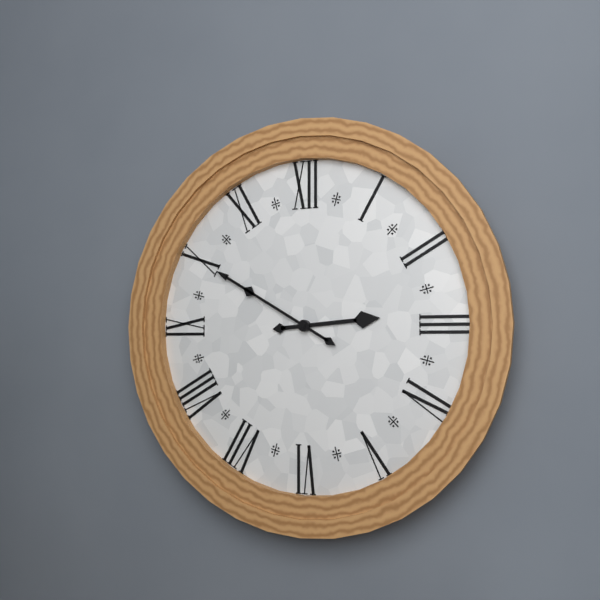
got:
**2:50**
